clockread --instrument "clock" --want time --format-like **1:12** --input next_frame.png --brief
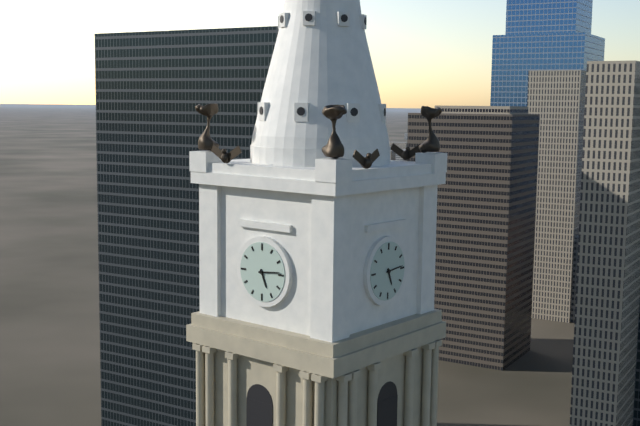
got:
**5:14**
